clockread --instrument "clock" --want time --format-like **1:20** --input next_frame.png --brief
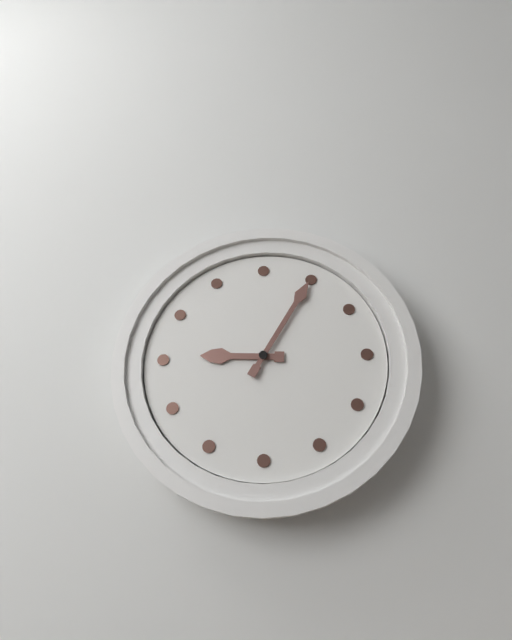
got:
**9:05**
